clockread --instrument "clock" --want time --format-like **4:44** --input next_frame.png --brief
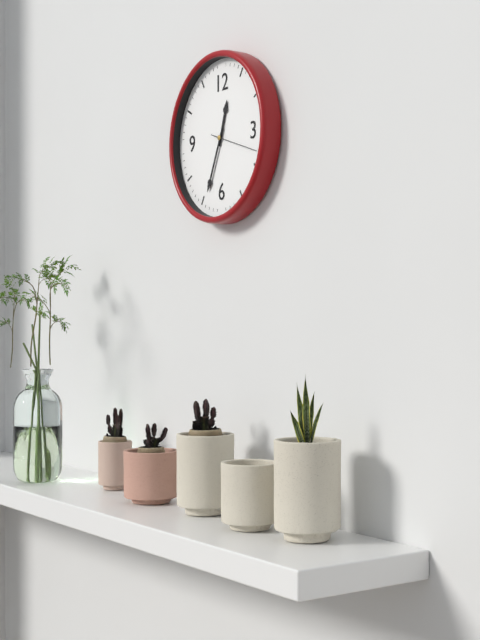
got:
**12:34**
